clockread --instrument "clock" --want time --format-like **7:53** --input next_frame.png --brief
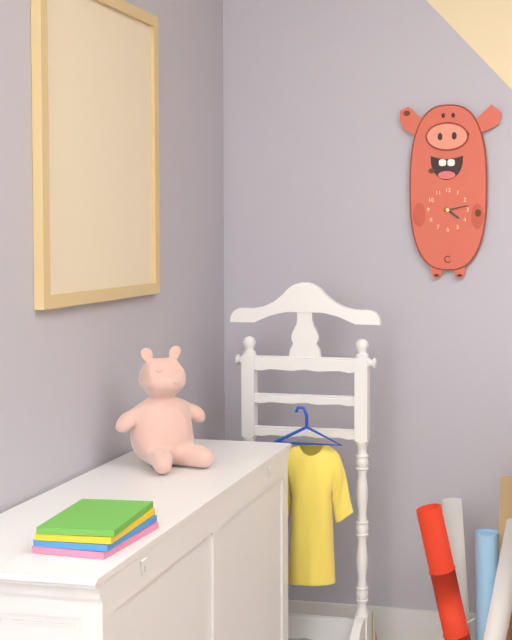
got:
**4:13**
